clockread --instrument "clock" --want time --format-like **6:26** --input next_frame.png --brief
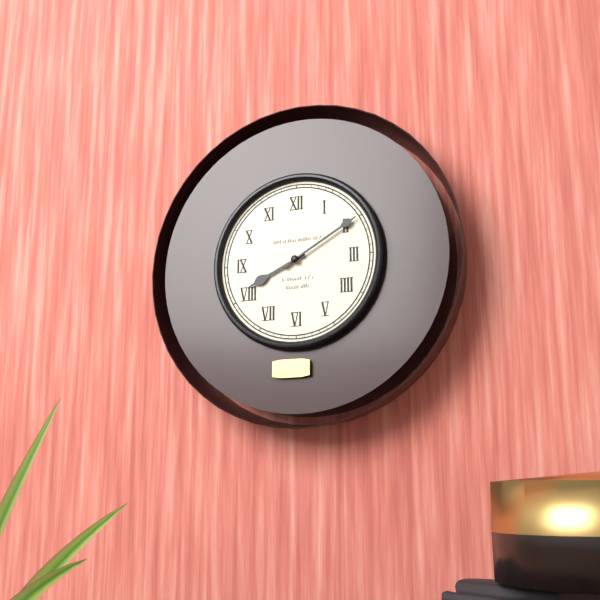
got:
**8:10**
